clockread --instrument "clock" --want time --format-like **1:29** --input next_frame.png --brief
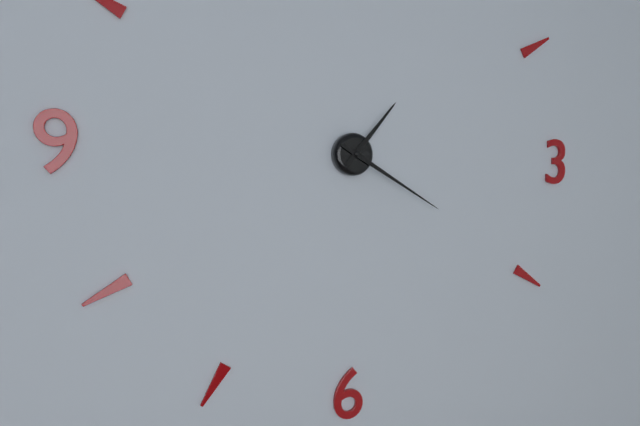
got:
**1:20**
